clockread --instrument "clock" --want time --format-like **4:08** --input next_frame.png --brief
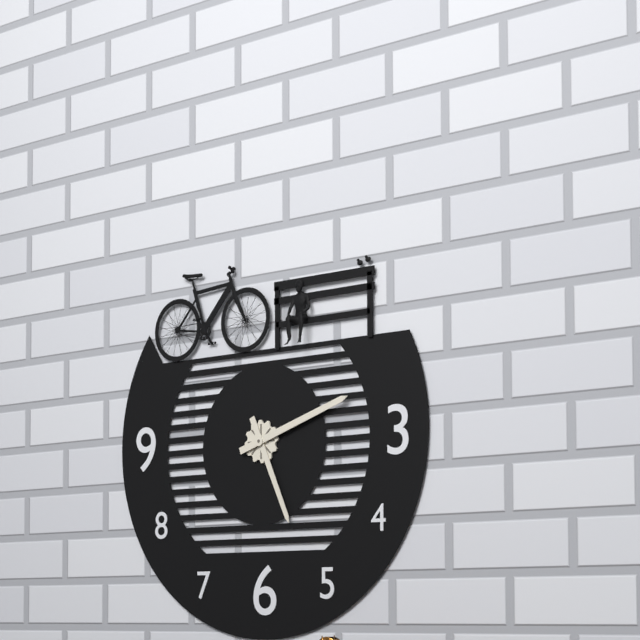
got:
**5:12**
